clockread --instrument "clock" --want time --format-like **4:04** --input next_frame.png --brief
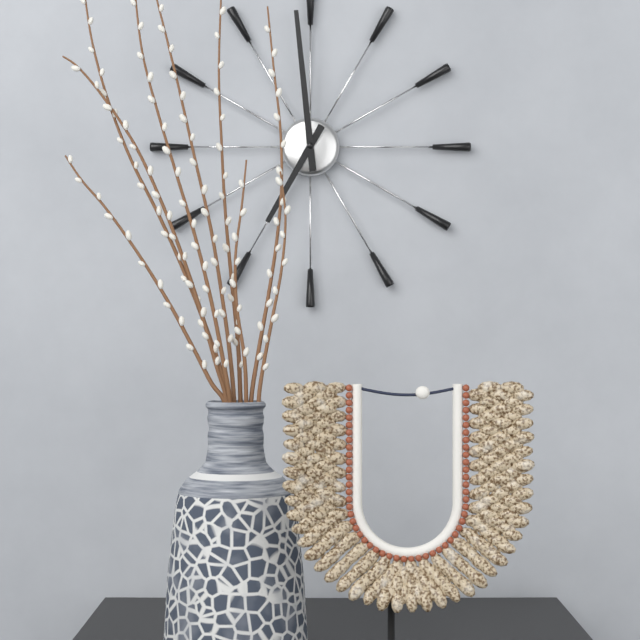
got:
**6:59**
